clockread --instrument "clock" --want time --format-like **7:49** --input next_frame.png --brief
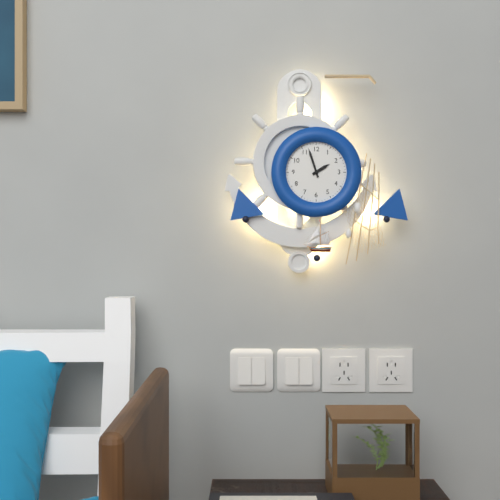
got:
**1:57**
